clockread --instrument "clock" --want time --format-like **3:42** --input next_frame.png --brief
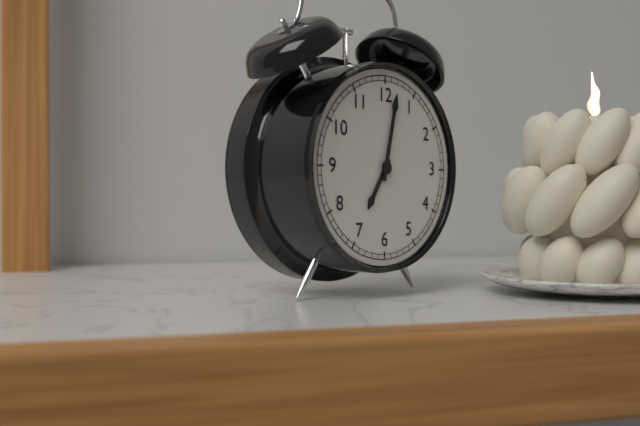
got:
**7:02**
